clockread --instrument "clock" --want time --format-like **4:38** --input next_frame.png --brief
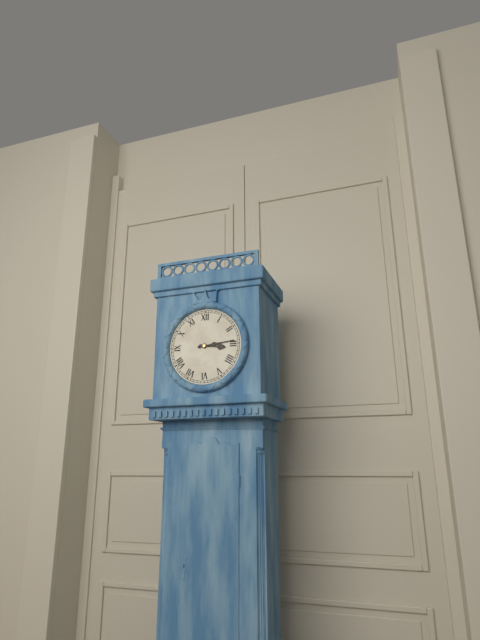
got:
**3:14**
